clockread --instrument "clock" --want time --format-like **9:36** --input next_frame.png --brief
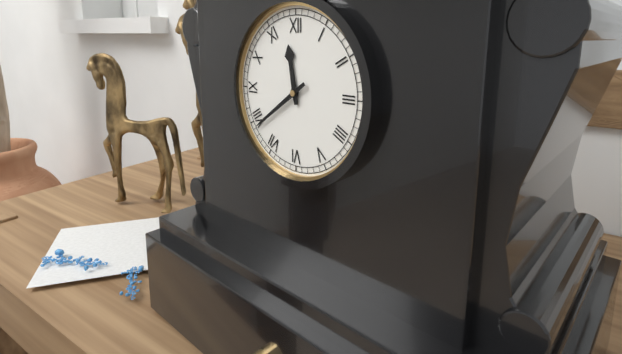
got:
**11:39**
